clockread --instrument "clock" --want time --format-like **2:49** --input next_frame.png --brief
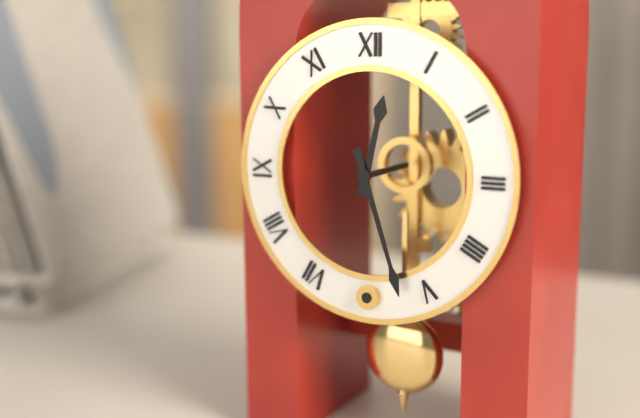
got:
**12:27**
